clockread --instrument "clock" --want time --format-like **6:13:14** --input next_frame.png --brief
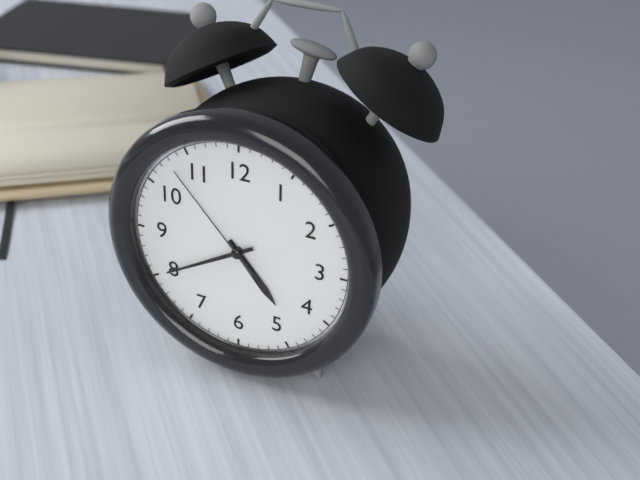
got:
**4:40:53**
